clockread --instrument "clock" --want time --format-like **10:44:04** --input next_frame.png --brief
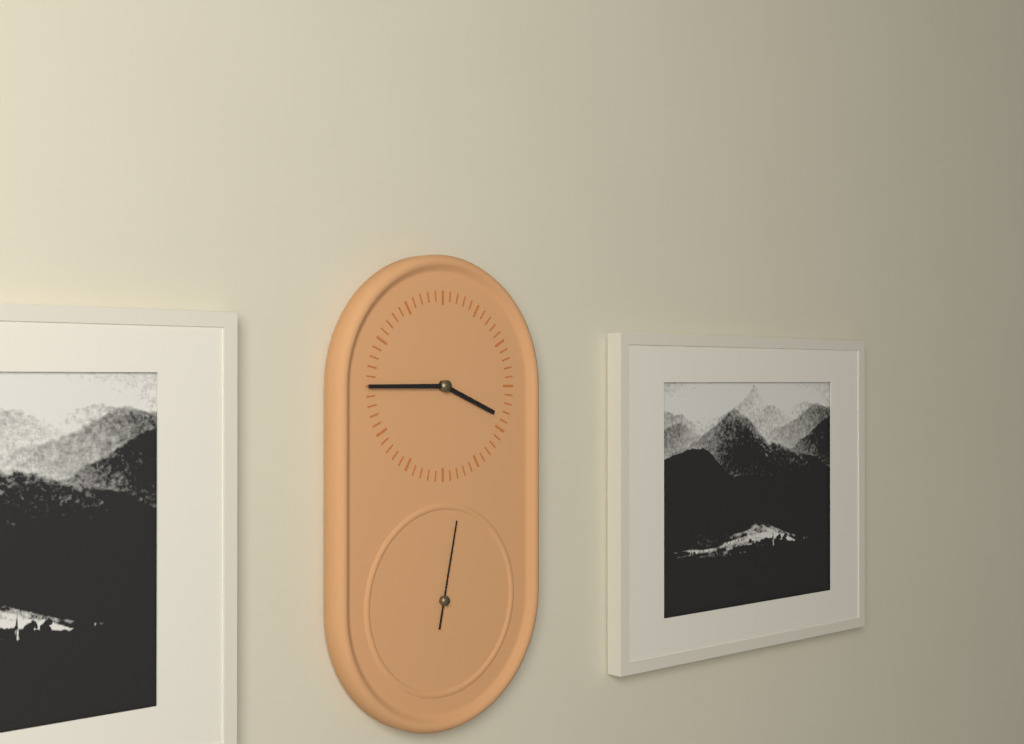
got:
**3:45:02**
